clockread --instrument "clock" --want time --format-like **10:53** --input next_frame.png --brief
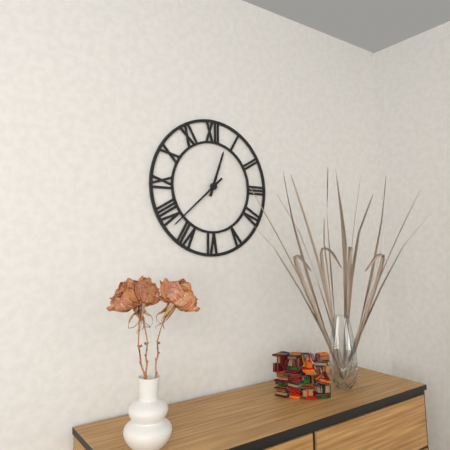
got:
**12:38**
